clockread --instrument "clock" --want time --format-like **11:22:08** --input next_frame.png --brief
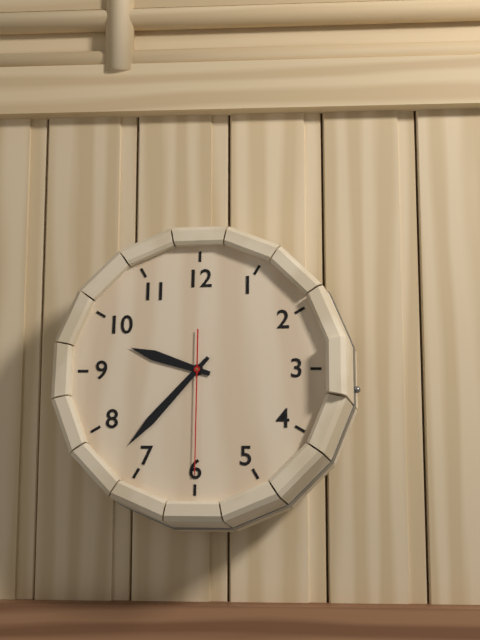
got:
**9:37:30**
